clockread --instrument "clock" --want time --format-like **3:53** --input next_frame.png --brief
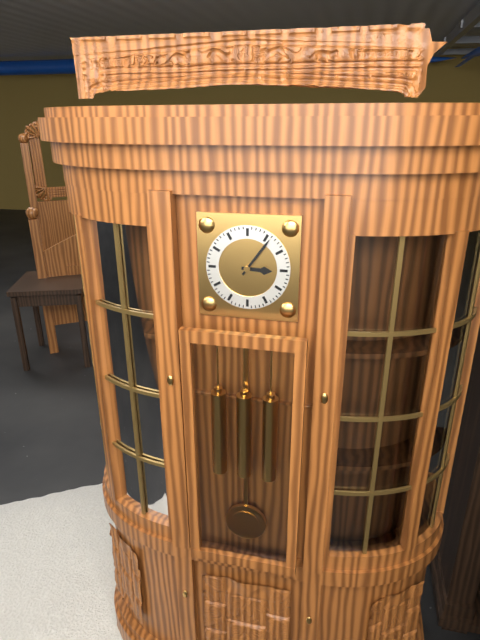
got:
**3:06**
